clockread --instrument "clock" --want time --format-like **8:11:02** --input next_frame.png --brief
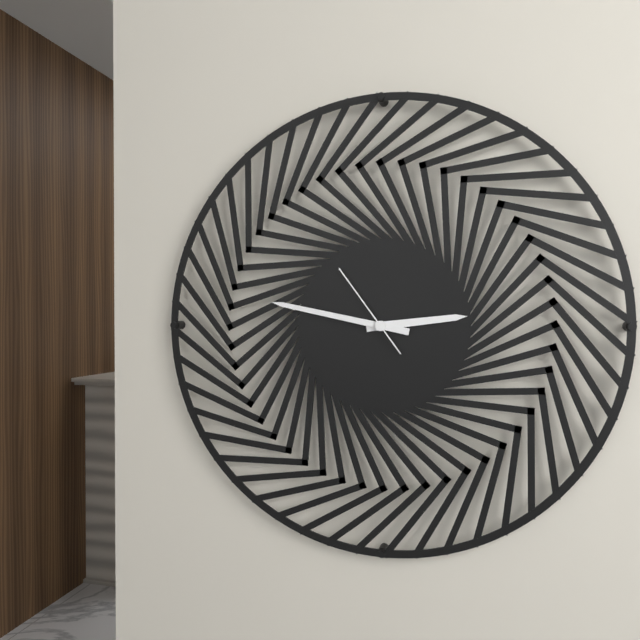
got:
**2:47:54**
